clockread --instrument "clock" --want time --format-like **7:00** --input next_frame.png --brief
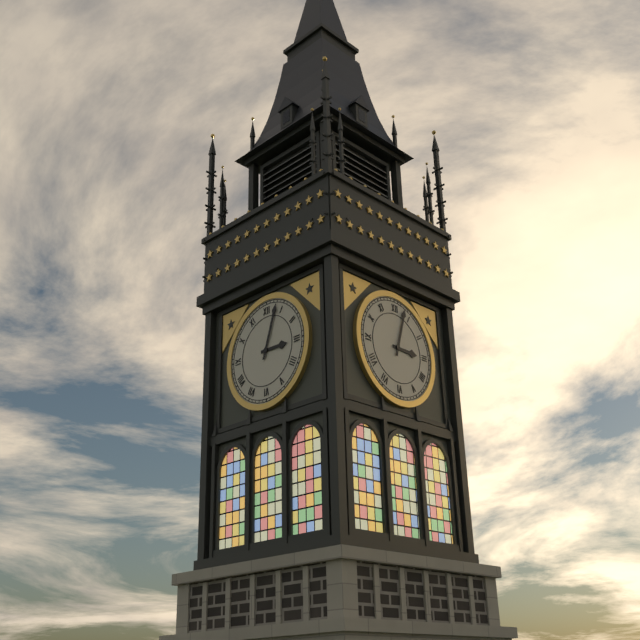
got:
**3:03**
